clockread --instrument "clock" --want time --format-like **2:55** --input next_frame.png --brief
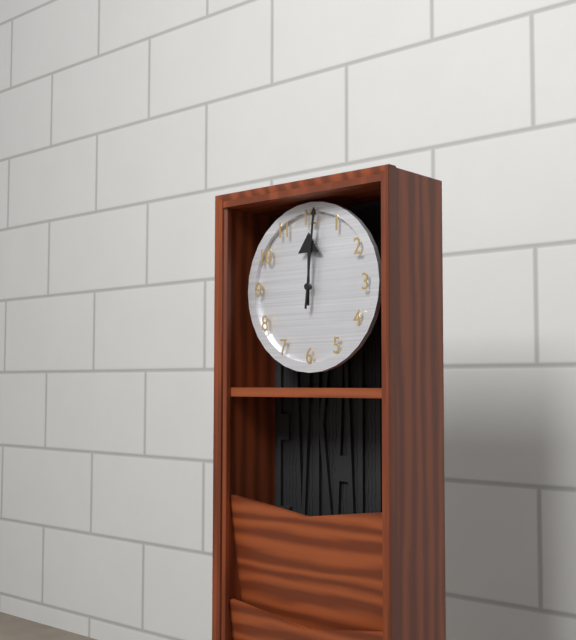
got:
**12:01**
